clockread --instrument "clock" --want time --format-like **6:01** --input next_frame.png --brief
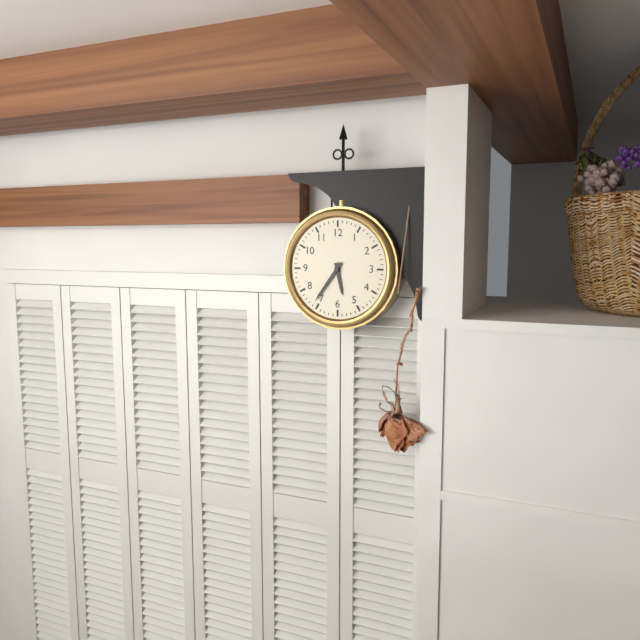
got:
**5:36**
